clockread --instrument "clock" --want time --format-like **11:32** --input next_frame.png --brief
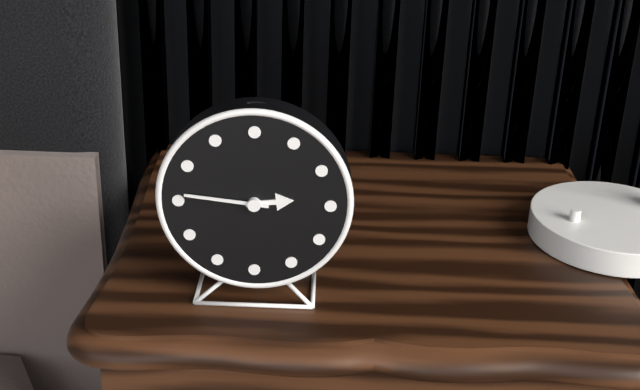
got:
**2:46**
